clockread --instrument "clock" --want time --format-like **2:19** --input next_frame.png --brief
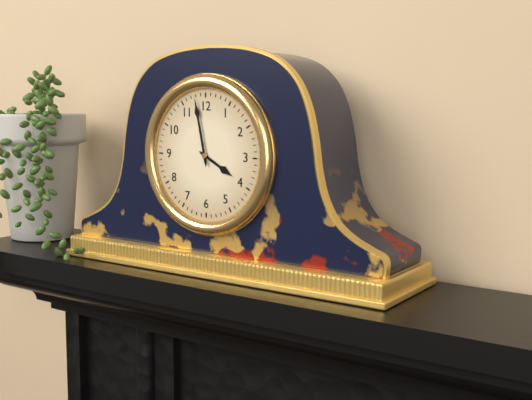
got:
**3:58**
